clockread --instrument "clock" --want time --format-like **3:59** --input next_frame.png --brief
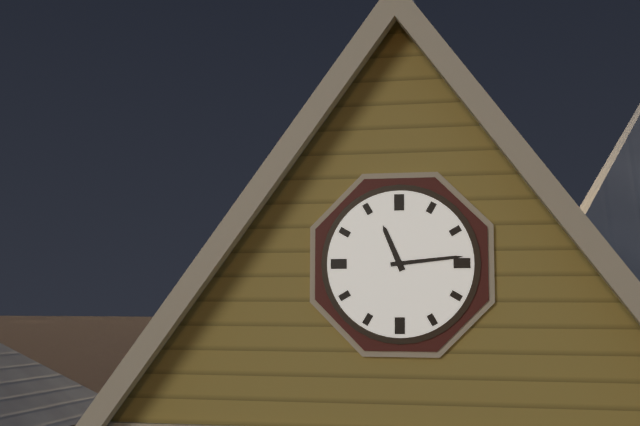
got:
**11:14**
